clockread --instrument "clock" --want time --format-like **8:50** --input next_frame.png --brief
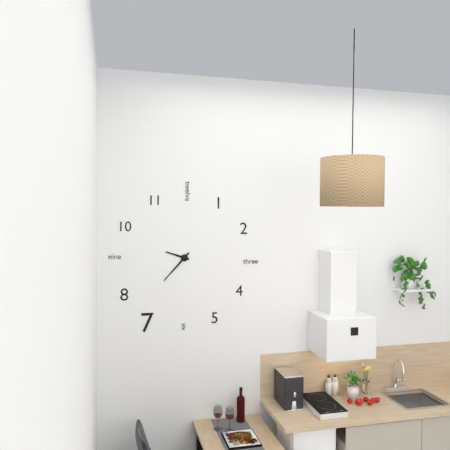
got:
**9:37**
